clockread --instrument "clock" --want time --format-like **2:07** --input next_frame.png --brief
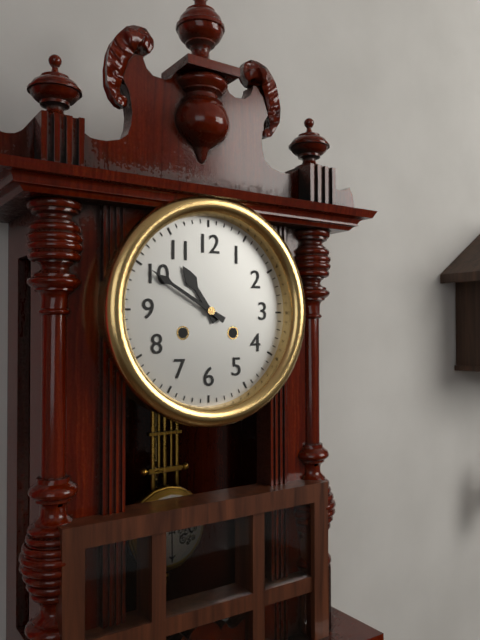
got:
**10:50**
